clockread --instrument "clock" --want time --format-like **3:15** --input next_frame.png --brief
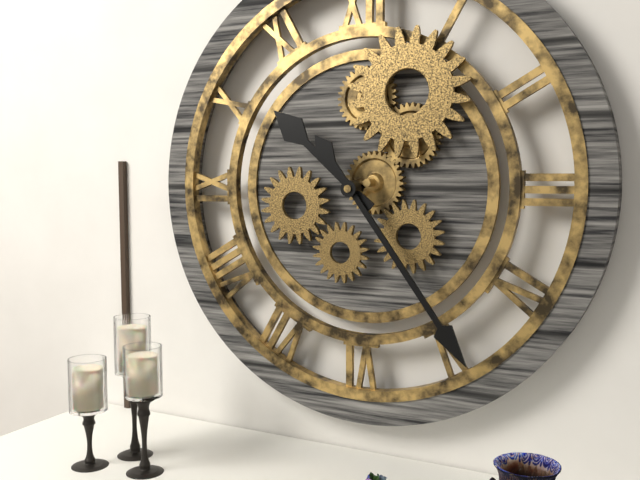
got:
**10:24**
